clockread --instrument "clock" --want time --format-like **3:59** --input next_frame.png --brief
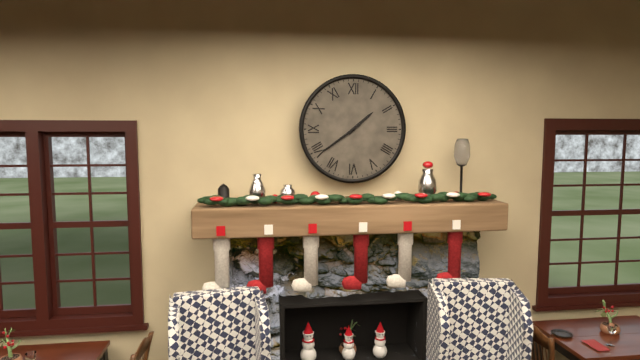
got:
**1:39**
